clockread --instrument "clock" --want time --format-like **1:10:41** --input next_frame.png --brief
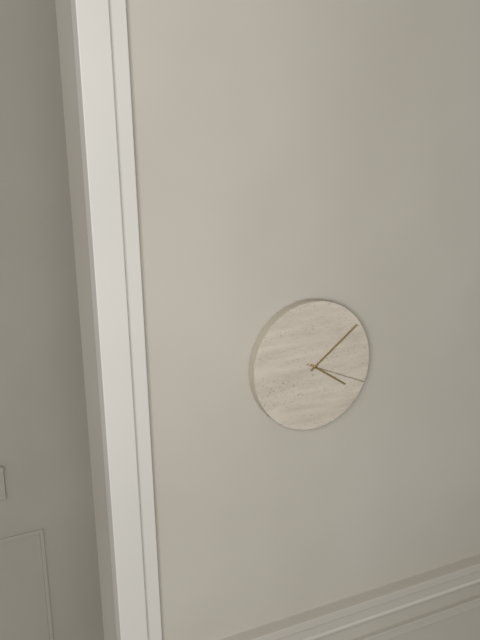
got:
**4:09:19**
